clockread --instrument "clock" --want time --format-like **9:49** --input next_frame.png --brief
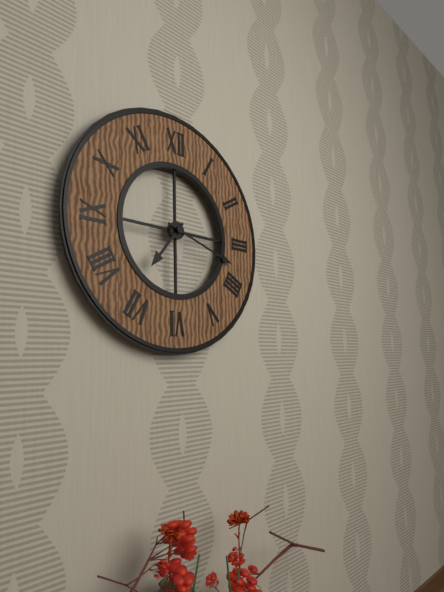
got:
**7:18**
